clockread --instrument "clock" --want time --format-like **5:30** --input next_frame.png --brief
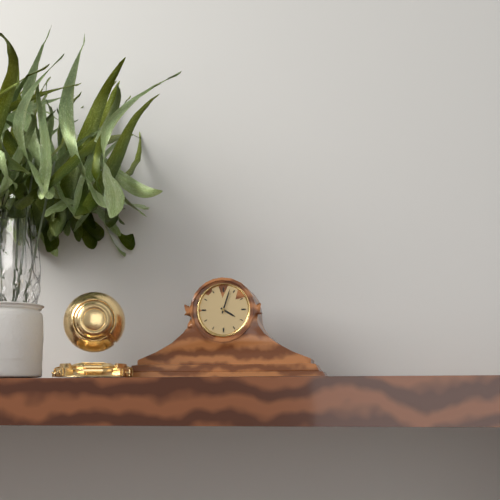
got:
**4:03**
